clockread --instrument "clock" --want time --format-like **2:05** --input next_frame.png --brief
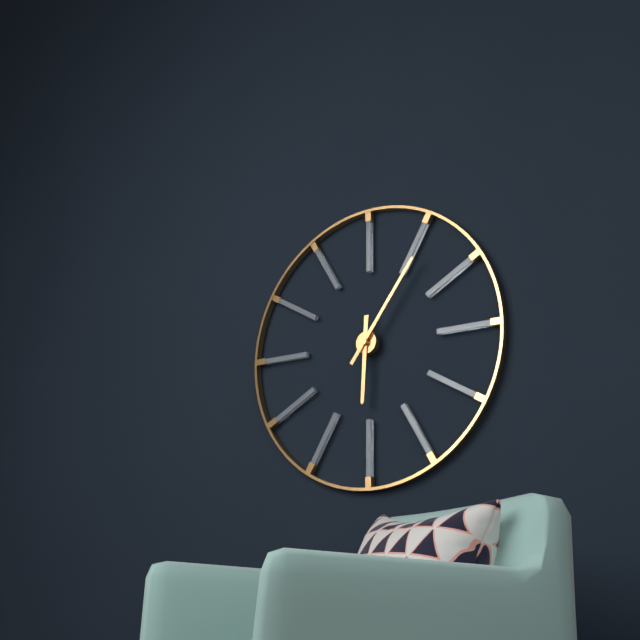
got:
**6:06**
